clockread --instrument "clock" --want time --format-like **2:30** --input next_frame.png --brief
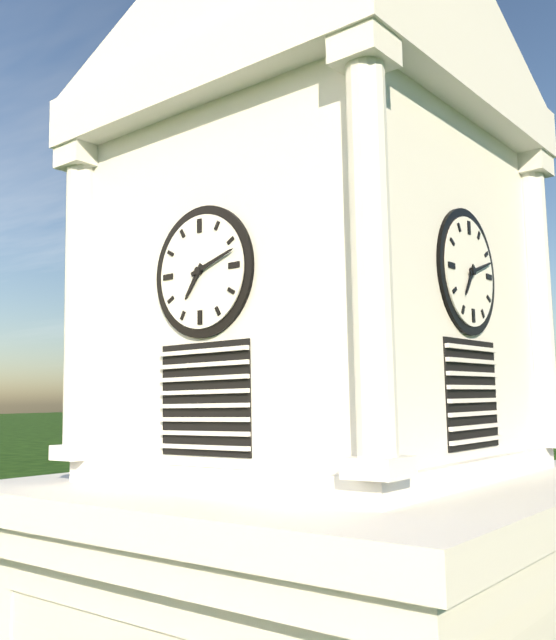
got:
**7:12**
